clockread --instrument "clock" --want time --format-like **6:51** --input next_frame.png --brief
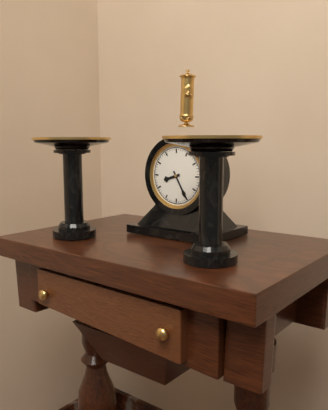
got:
**8:25**
